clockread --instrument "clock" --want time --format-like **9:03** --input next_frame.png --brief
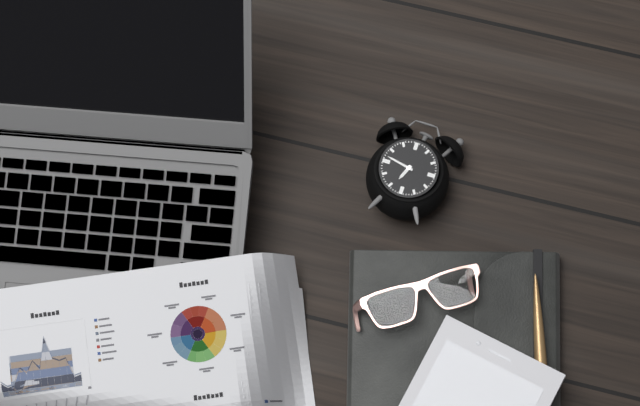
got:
**6:47**
